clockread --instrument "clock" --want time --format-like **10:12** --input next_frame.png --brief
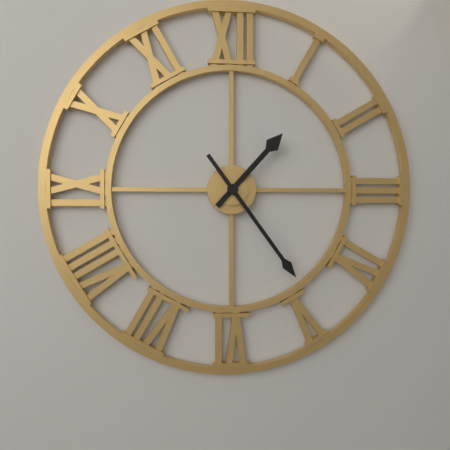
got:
**1:24**
